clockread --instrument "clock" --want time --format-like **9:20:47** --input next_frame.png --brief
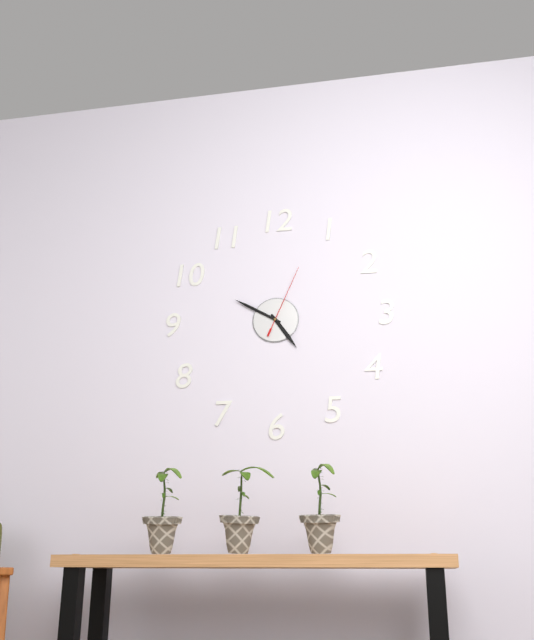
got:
**4:50:04**
